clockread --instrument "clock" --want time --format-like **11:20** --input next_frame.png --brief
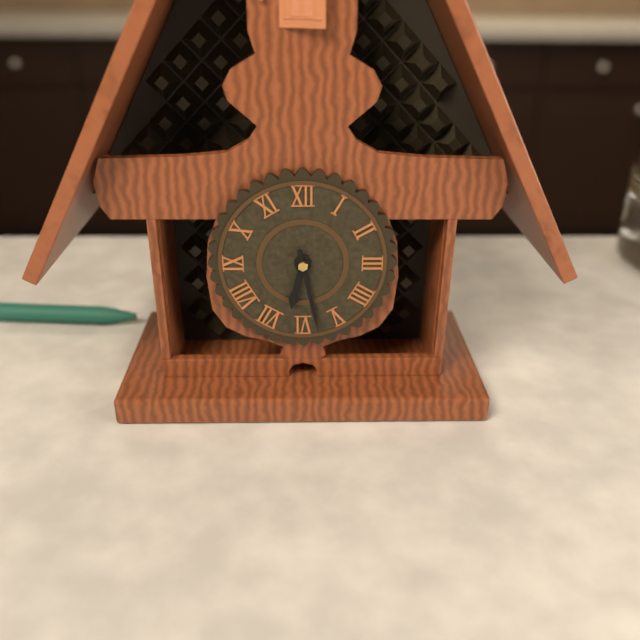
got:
**6:28**
